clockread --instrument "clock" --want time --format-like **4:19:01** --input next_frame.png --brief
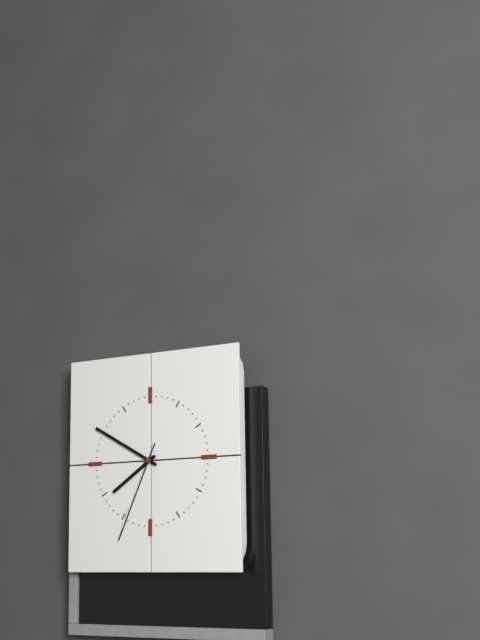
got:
**7:50:34**
